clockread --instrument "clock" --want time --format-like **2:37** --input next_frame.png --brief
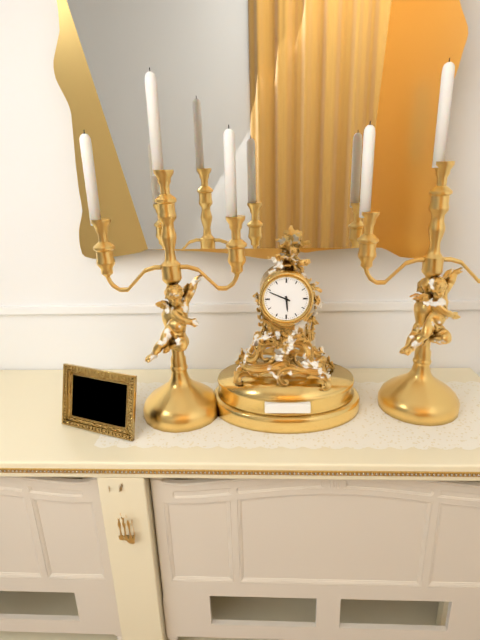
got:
**5:49**
